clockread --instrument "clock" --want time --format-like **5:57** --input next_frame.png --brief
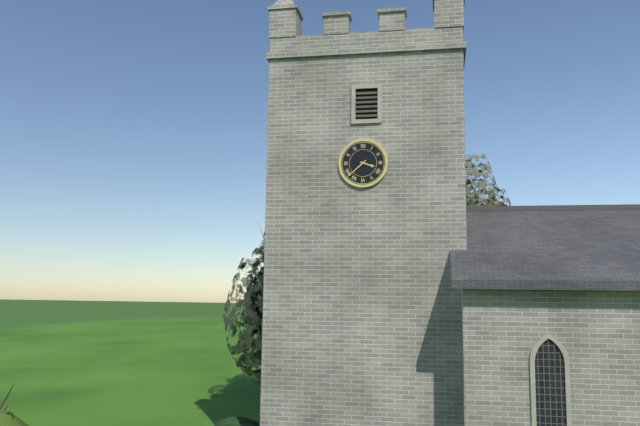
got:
**3:38**
